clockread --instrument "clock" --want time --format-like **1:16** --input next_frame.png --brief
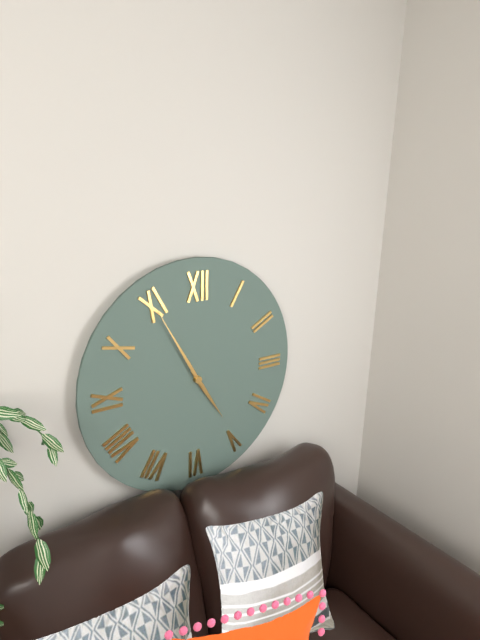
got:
**4:55**
